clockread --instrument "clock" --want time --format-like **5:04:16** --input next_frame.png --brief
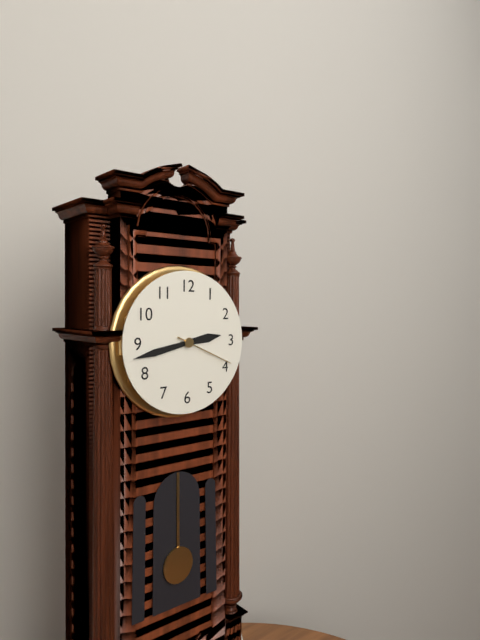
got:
**2:43:19**
